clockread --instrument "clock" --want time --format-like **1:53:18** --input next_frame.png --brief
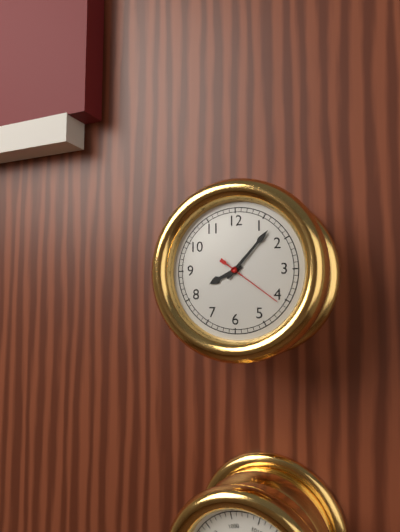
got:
**8:07:21**
